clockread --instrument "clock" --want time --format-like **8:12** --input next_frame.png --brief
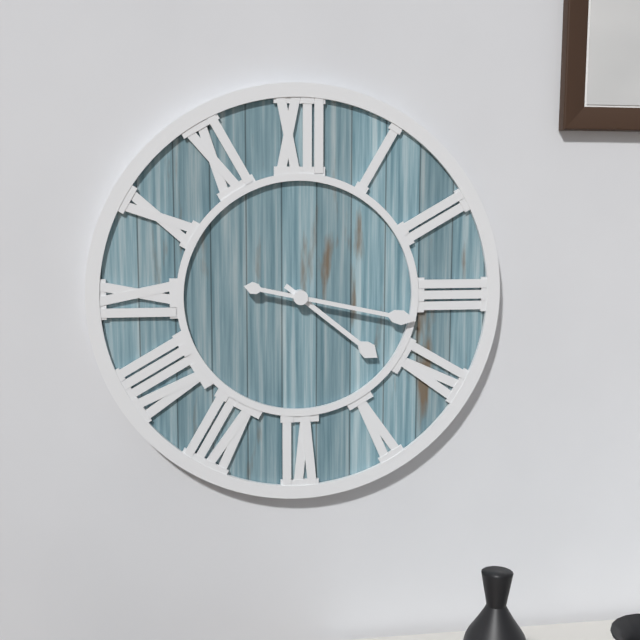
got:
**4:17**
